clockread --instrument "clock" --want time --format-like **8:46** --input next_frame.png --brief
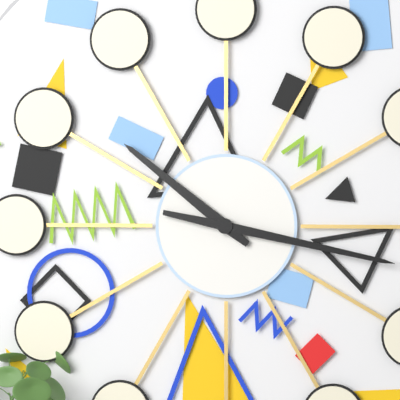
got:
**10:17**
